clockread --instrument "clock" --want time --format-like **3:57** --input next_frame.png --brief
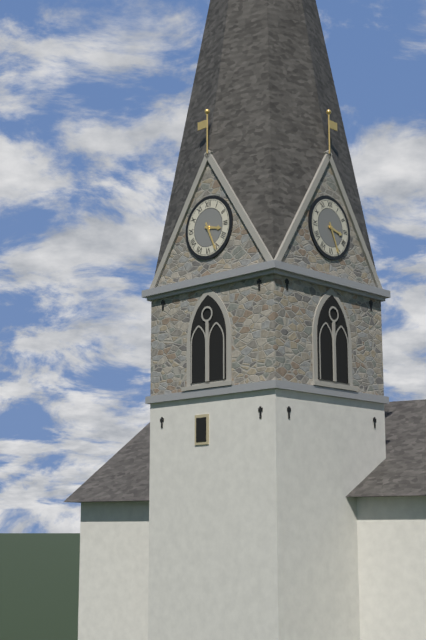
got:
**3:26**
